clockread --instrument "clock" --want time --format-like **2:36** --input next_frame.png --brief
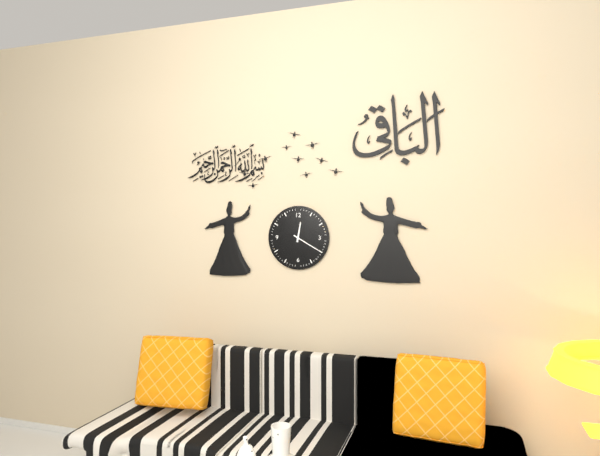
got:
**12:20**
